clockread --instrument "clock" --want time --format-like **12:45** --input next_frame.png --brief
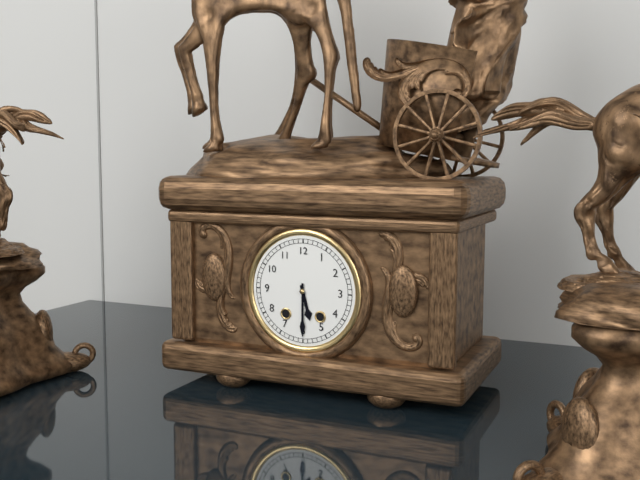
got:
**5:30**
